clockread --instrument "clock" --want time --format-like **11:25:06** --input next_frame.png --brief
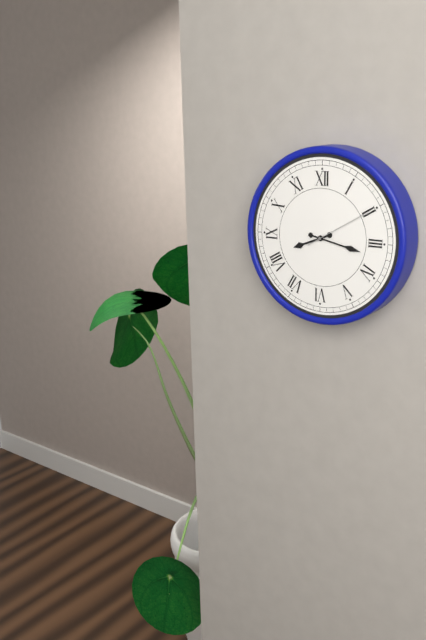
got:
**8:17:10**
